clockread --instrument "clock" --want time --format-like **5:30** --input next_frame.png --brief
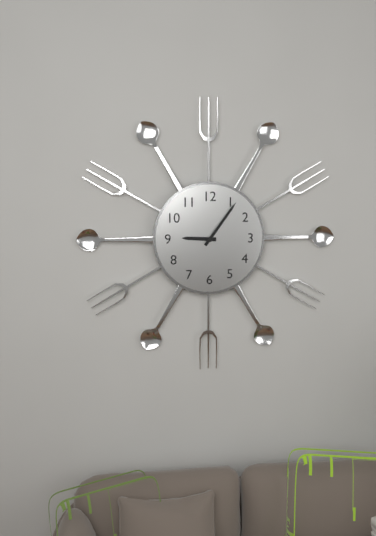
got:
**9:06**
